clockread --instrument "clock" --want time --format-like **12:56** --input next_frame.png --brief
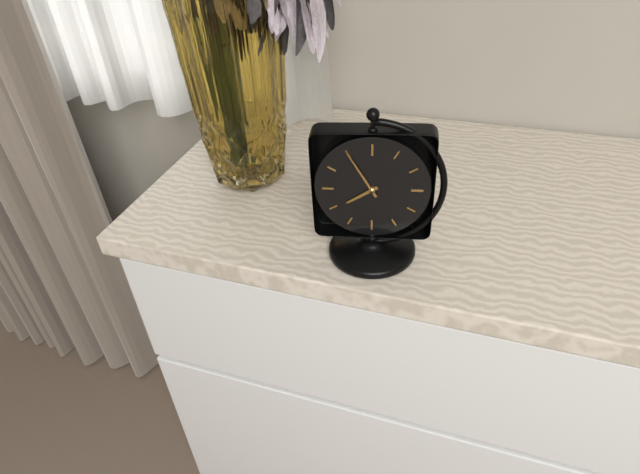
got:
**7:55**
